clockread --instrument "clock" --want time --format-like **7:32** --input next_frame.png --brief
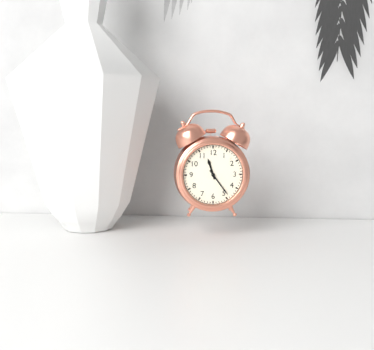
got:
**11:24**
